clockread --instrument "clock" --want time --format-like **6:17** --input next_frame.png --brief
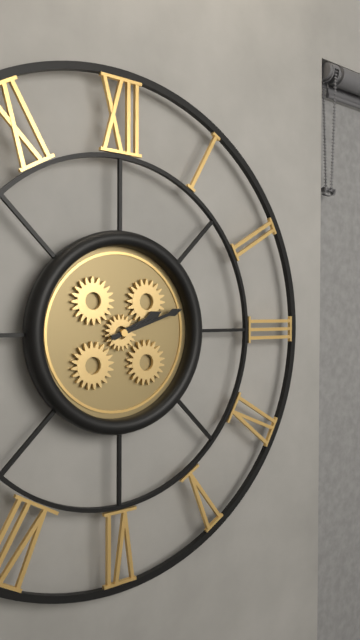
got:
**2:12**
